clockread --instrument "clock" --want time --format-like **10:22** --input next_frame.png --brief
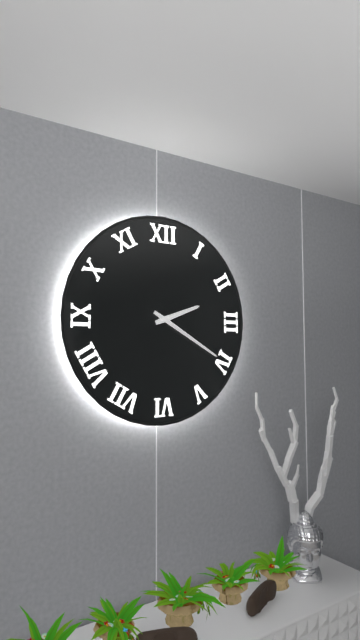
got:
**2:20**
